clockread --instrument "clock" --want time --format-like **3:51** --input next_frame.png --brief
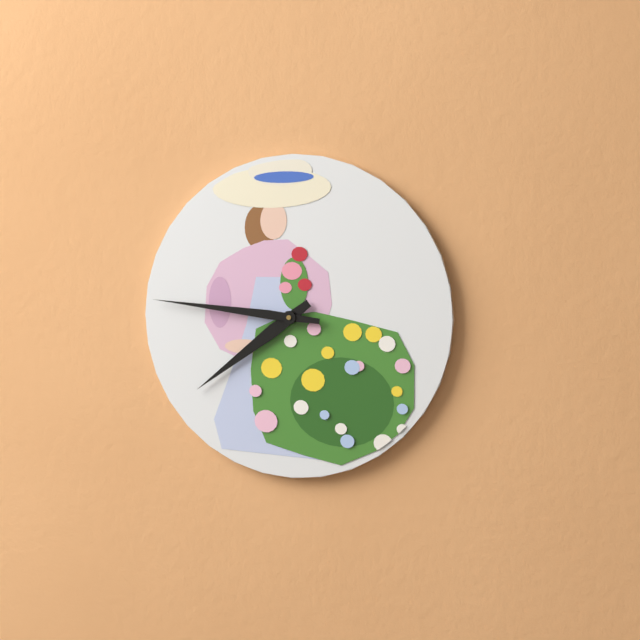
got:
**7:46**
